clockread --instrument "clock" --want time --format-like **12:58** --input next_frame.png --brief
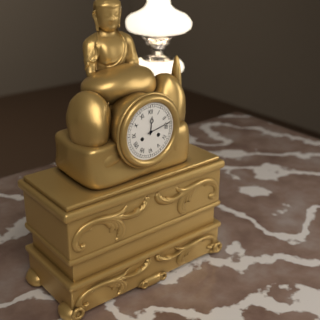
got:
**12:13**
